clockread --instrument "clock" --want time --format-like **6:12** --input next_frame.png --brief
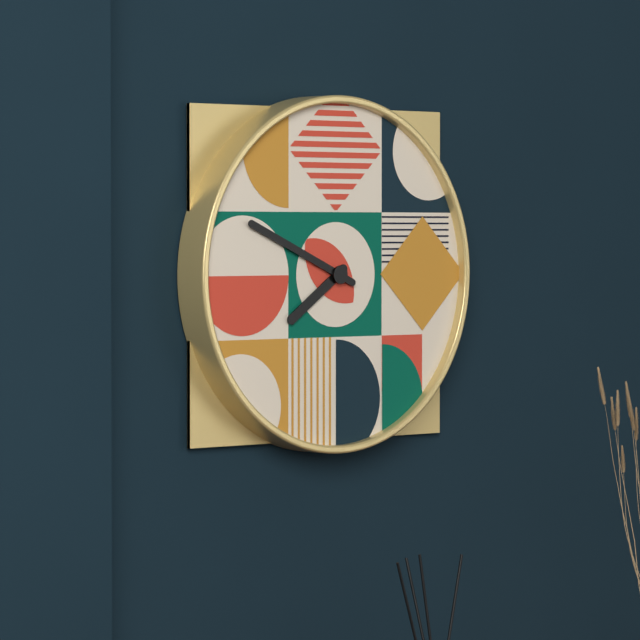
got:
**7:49**
